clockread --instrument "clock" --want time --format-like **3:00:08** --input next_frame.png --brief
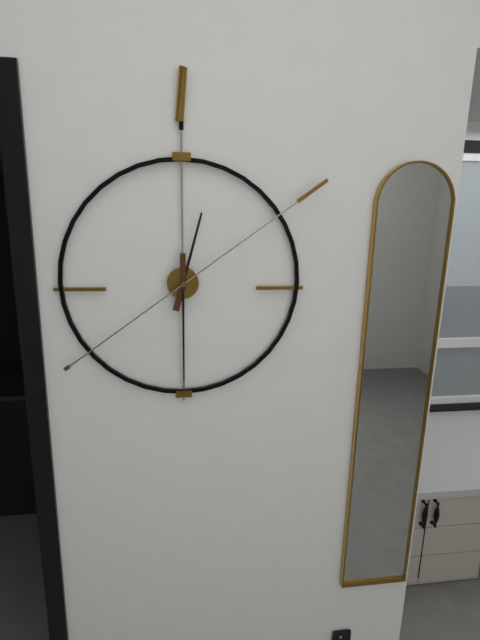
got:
**12:30:09**
